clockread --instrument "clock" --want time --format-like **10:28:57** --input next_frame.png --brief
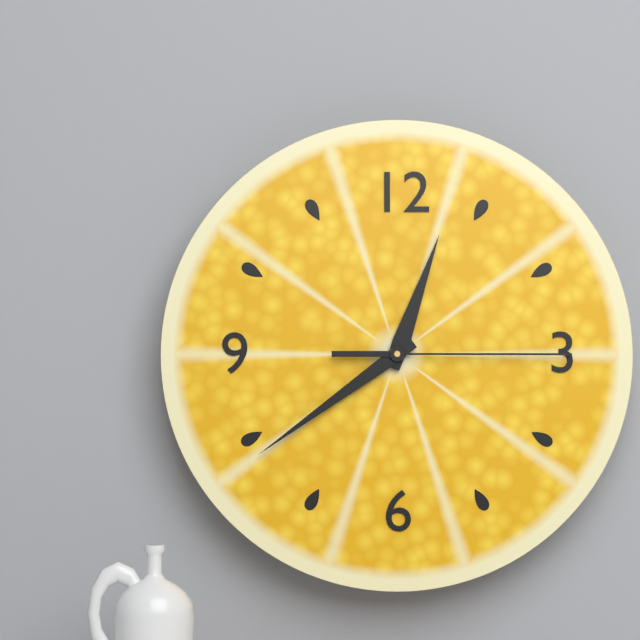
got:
**12:39:15**
